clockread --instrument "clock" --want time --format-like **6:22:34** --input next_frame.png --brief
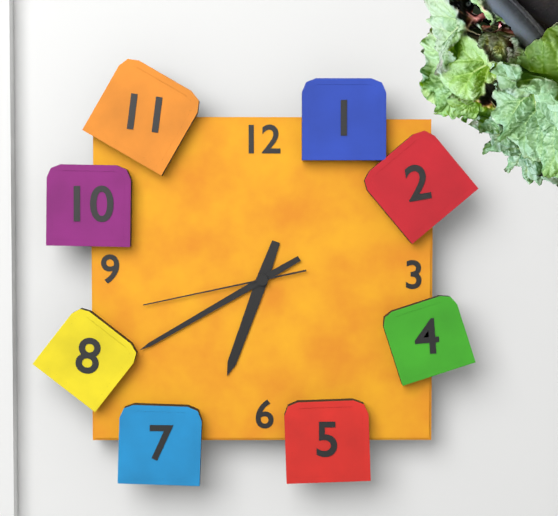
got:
**6:40:43**
